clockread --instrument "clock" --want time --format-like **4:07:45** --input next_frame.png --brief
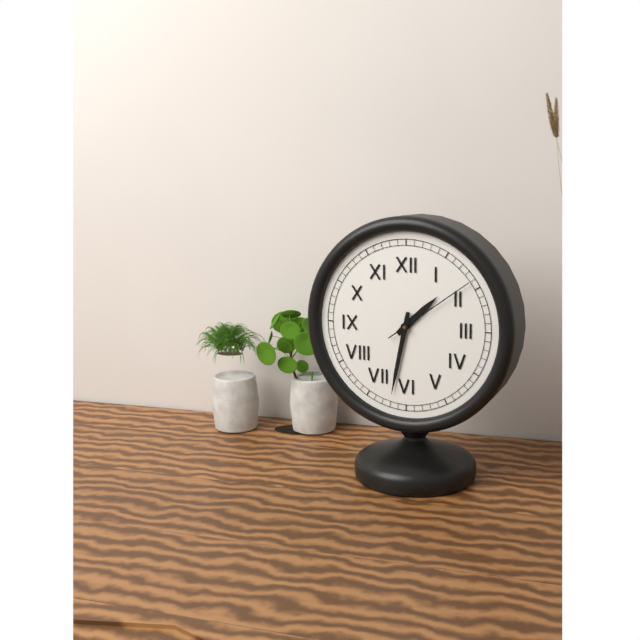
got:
**1:32:09**
